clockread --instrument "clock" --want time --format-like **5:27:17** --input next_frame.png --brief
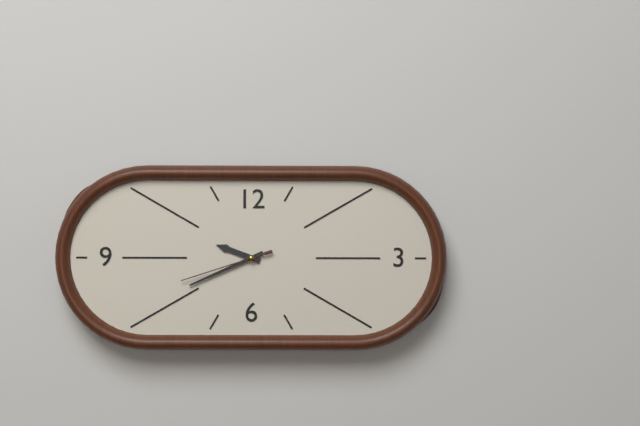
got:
**9:41:42**
